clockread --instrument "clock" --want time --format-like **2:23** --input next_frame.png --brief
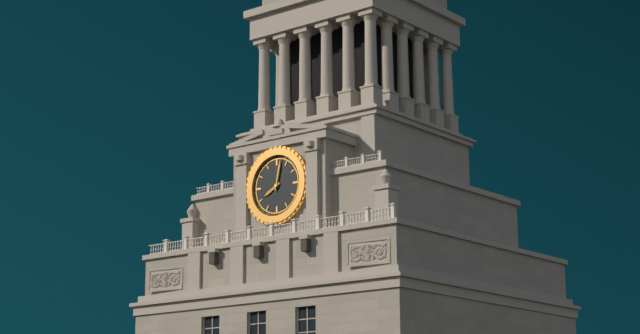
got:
**8:02**
